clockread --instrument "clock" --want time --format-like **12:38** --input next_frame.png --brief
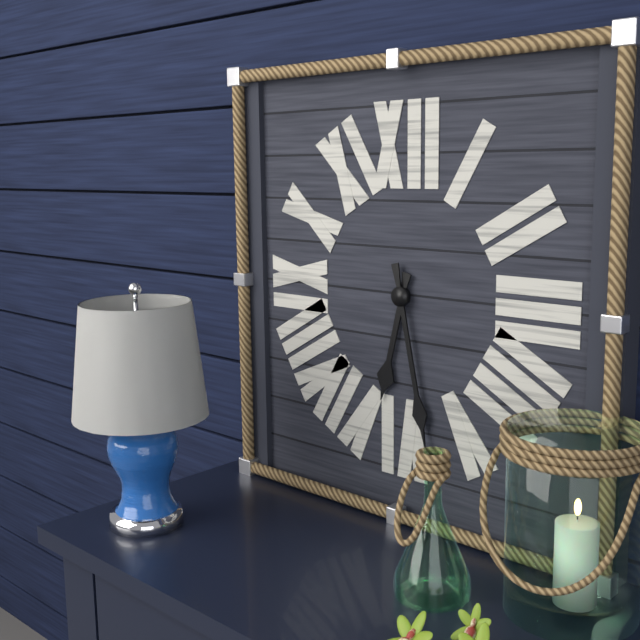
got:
**6:28**
